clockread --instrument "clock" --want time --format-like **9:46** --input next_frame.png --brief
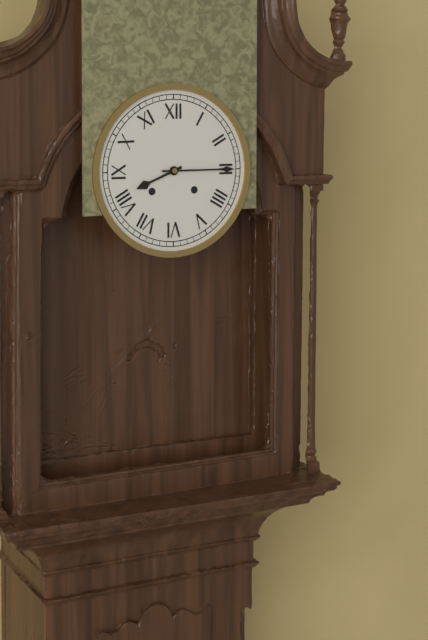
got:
**8:15**
